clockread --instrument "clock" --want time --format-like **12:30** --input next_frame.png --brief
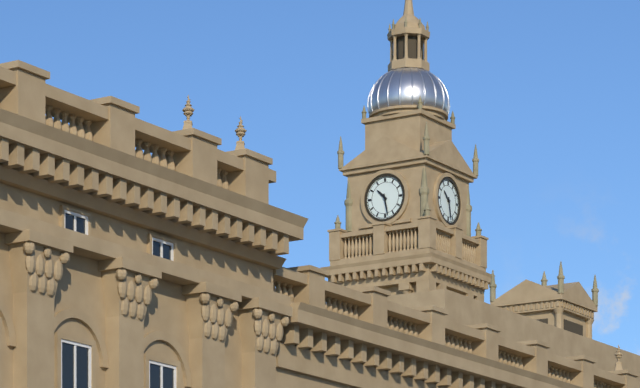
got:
**10:28**
